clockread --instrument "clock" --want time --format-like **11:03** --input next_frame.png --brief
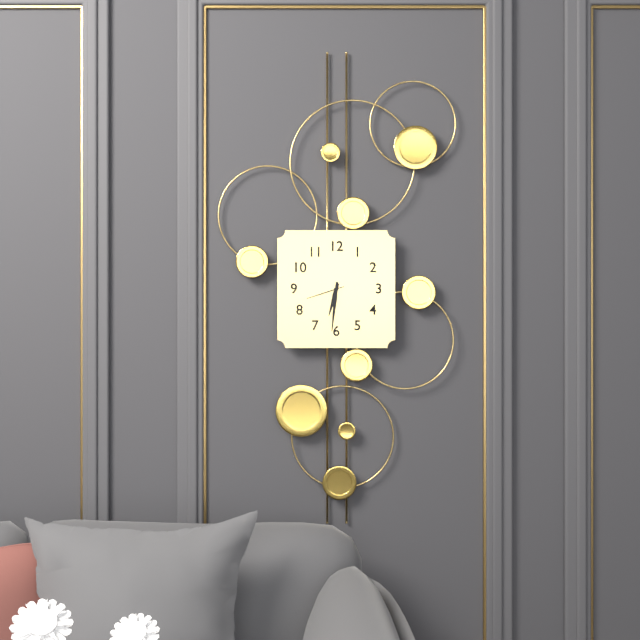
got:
**6:31**
